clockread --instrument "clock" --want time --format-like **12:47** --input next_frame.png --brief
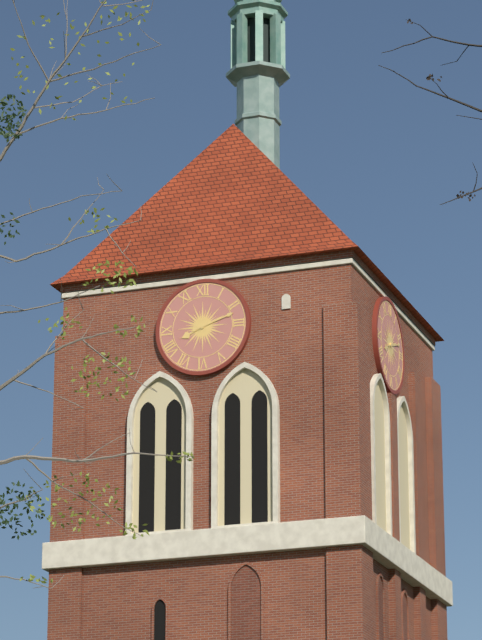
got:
**8:12**
